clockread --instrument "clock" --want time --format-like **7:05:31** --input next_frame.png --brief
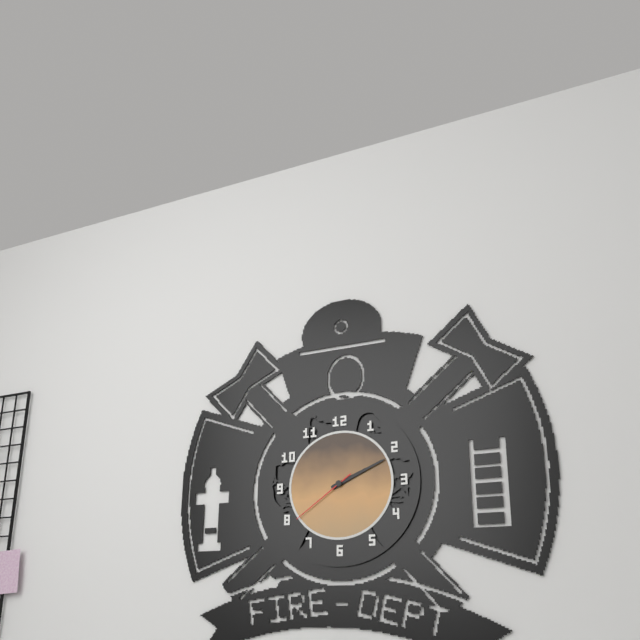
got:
**2:11:39**
